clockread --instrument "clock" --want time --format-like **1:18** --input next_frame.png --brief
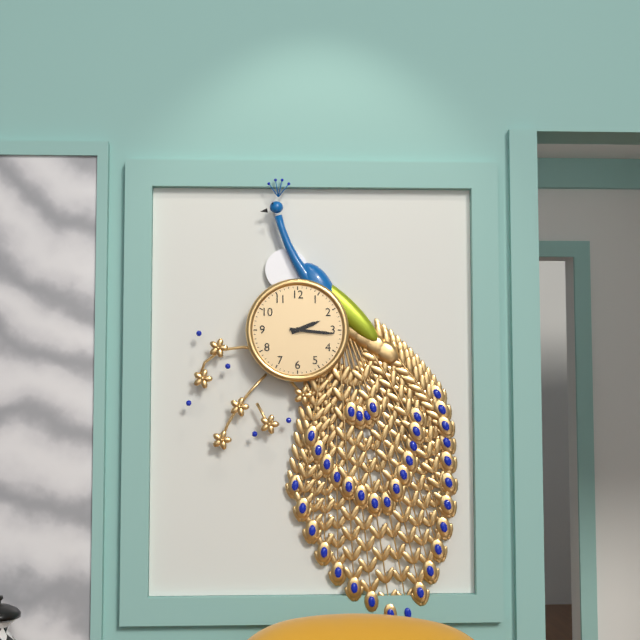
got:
**2:16**
